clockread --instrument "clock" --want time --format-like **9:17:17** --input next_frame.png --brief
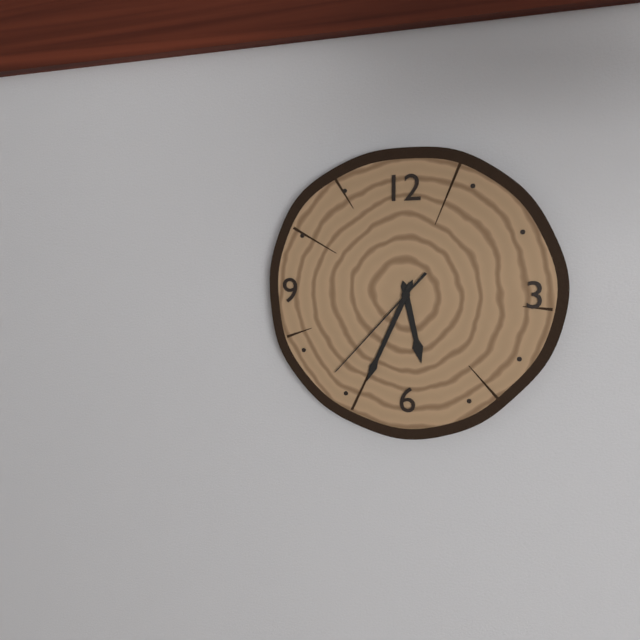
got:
**5:34:37**
